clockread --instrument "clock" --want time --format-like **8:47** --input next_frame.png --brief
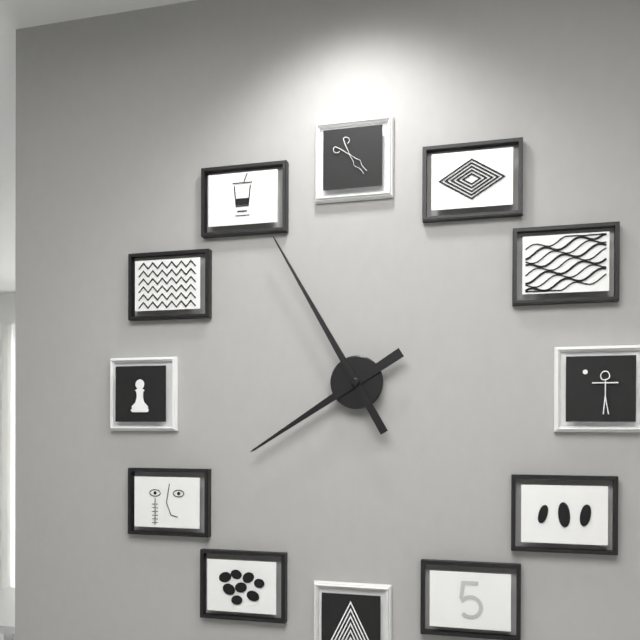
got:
**7:55**
